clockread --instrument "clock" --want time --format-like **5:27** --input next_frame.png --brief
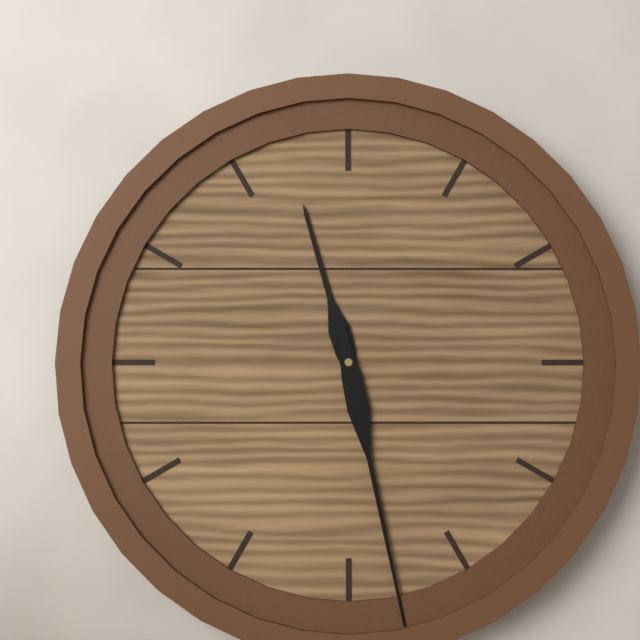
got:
**11:28**
